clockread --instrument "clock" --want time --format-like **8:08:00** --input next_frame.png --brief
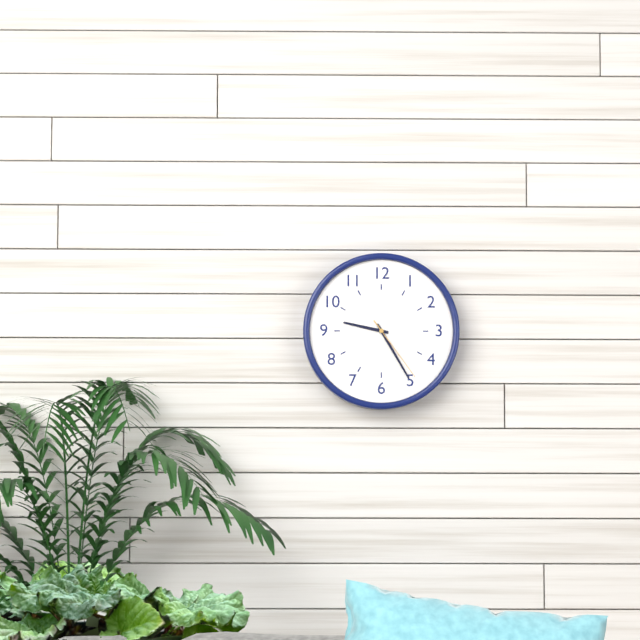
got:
**9:25:24**
